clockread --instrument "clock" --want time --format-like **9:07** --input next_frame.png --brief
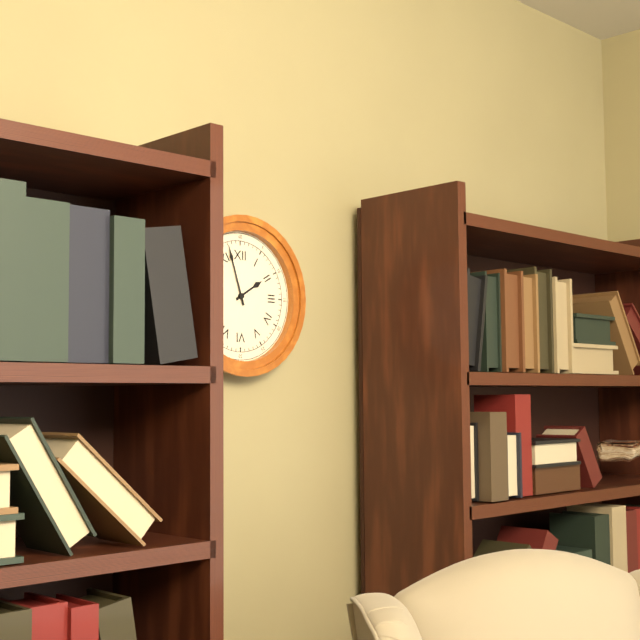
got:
**1:57**
